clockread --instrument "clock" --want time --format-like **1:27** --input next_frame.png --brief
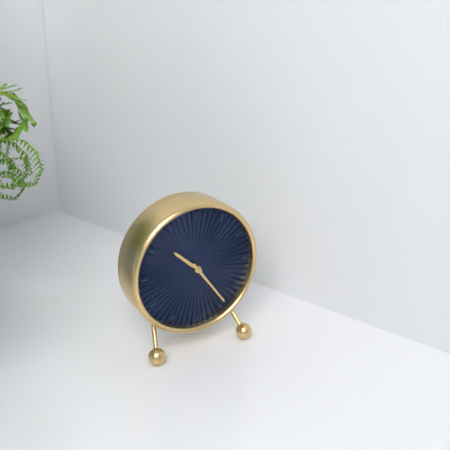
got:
**10:24**
